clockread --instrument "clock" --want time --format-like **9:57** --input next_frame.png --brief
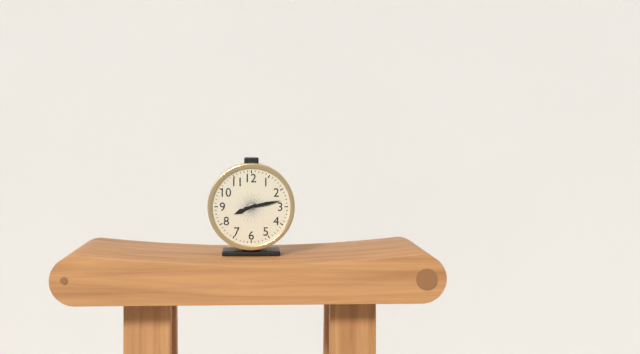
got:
**8:13**
